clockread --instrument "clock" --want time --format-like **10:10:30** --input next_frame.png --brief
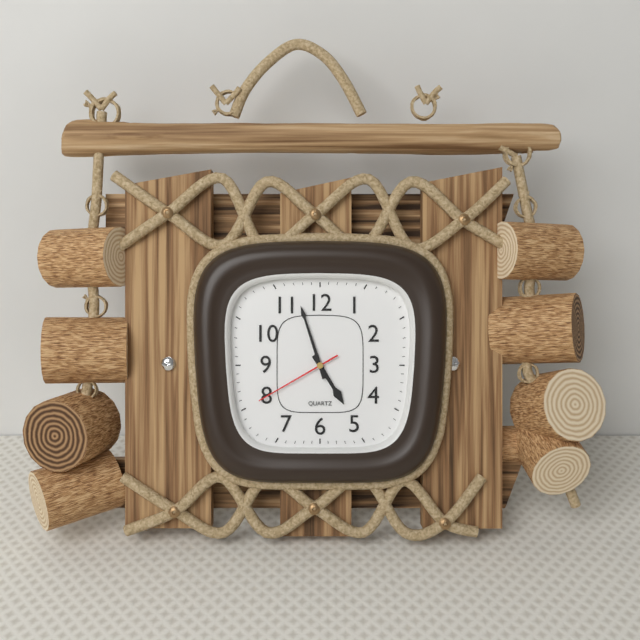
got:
**4:57:40**
